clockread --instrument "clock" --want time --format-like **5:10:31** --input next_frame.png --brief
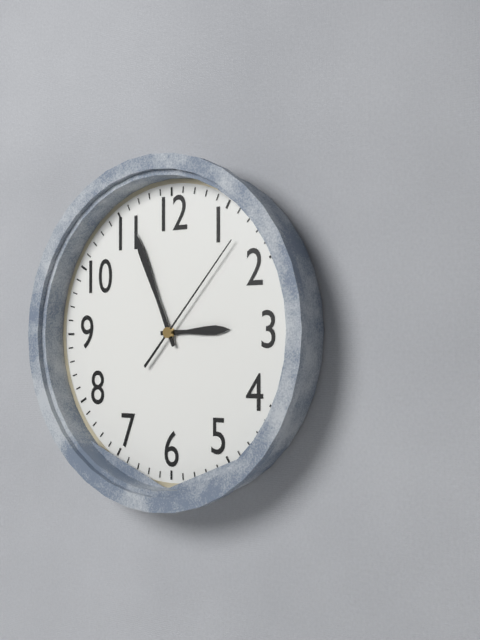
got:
**2:56:07**
